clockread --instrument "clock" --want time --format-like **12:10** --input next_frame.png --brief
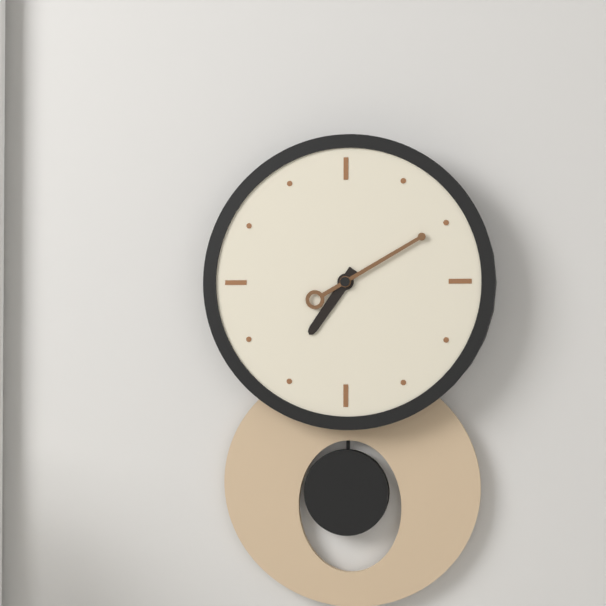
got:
**7:10**
